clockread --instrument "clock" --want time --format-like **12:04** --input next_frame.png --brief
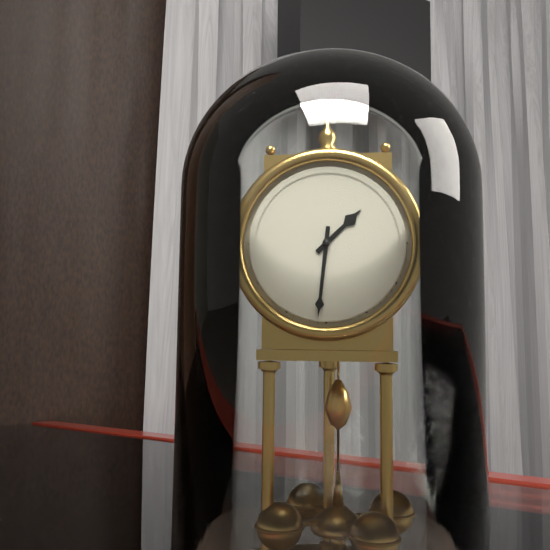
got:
**1:31**
